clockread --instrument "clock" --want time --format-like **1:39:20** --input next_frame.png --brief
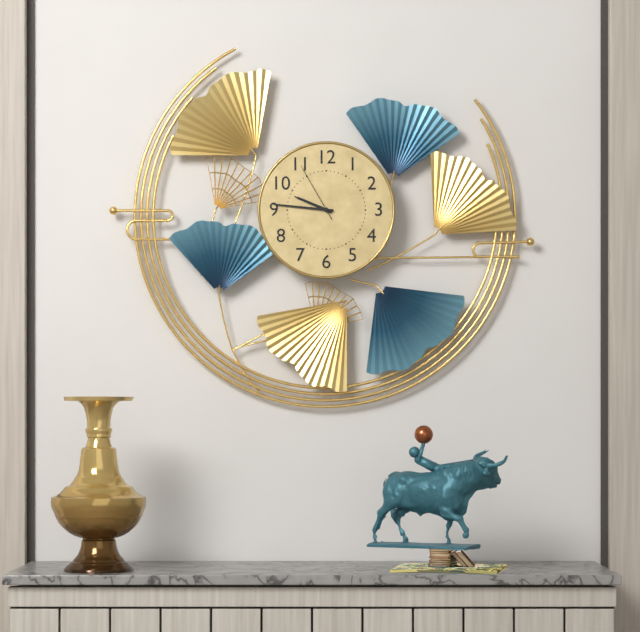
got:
**9:46:55**
